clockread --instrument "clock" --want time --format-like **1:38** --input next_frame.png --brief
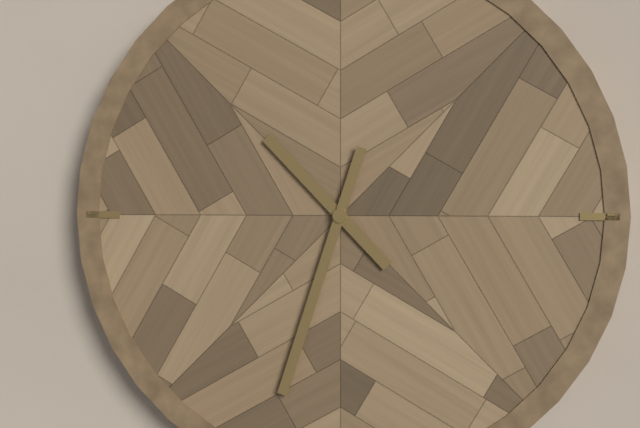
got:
**10:33**
